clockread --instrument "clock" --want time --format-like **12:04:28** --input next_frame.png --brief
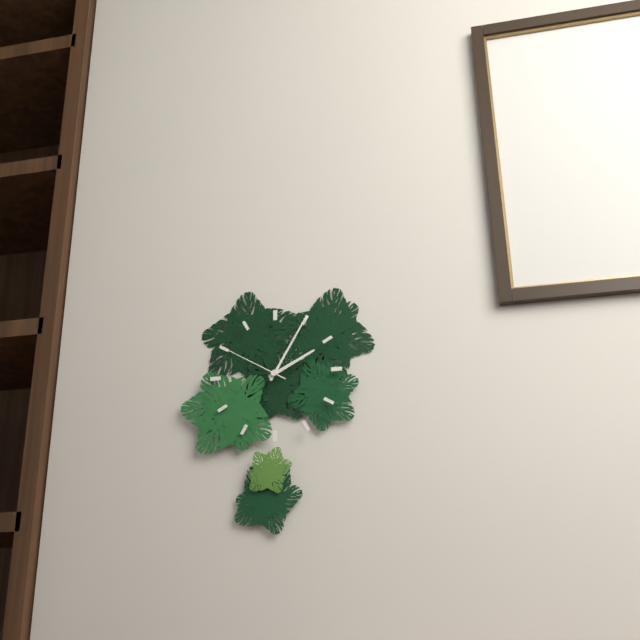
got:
**2:05:50**
